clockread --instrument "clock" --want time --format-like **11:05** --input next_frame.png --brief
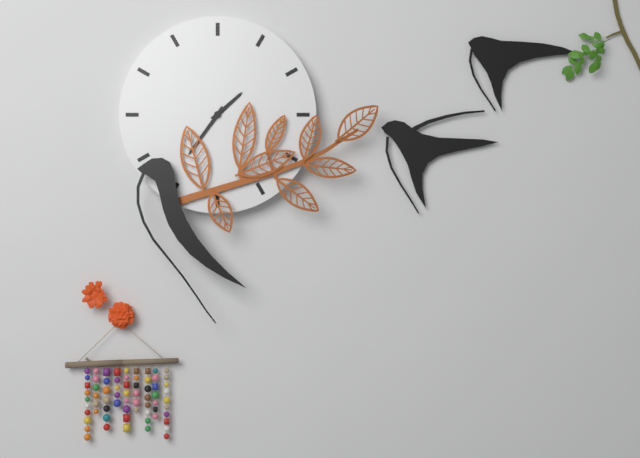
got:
**1:36**
